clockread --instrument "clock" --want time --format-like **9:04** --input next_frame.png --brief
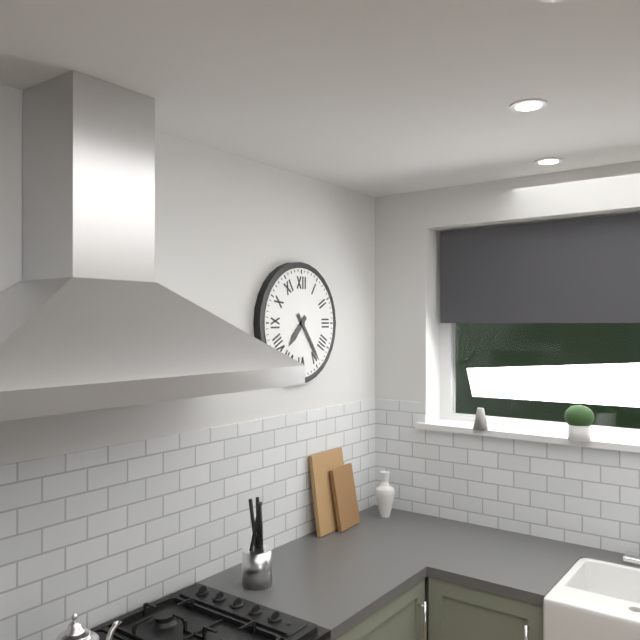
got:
**7:24**
